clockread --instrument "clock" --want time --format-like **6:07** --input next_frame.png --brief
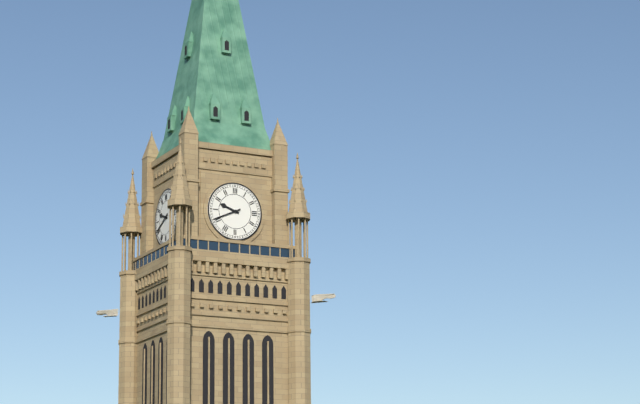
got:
**9:41**
